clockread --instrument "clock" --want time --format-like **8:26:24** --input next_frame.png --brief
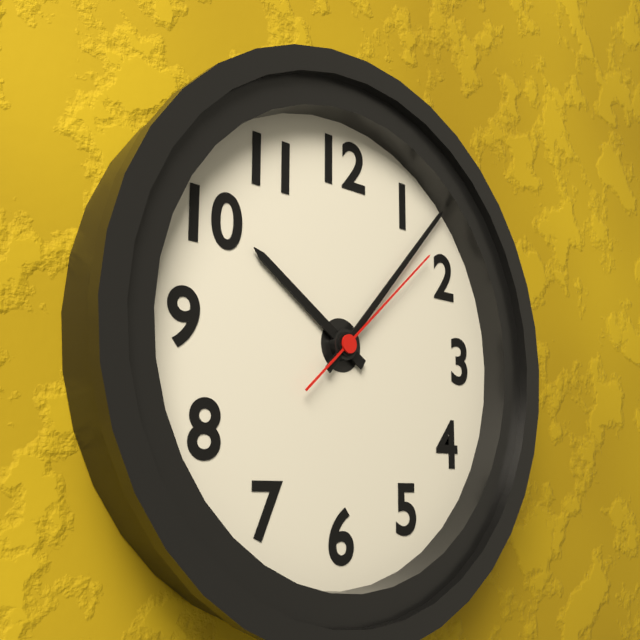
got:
**10:07:08**
